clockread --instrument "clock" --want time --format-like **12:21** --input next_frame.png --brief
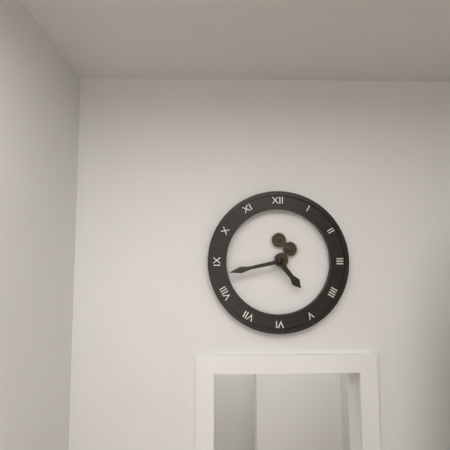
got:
**4:43**
